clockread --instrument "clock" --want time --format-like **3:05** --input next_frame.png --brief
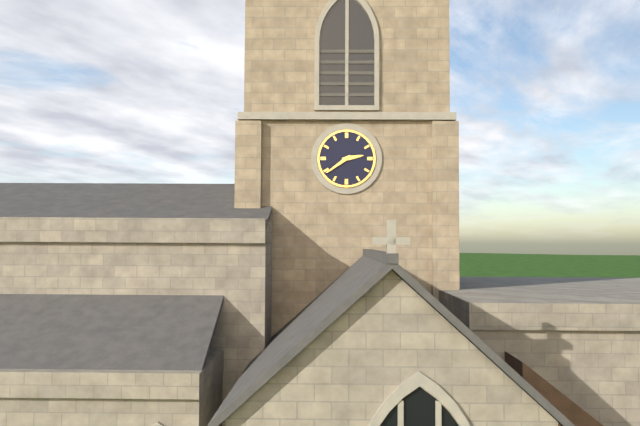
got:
**2:39**
